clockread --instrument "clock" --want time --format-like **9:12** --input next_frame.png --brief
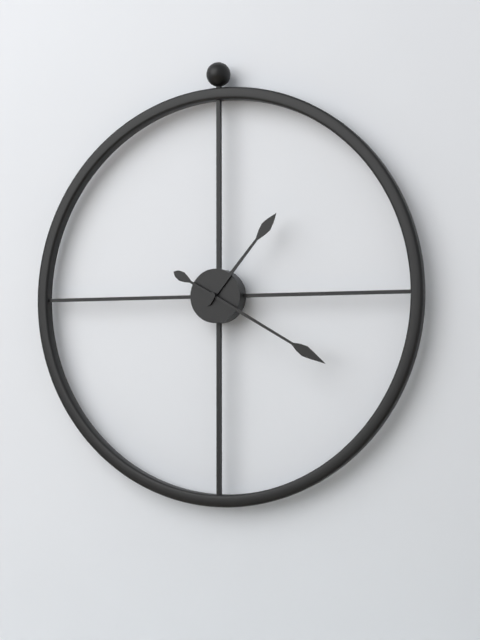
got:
**1:20**
